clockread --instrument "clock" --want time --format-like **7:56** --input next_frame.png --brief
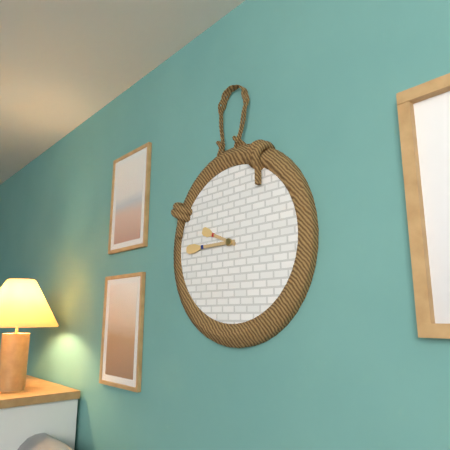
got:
**9:45**
